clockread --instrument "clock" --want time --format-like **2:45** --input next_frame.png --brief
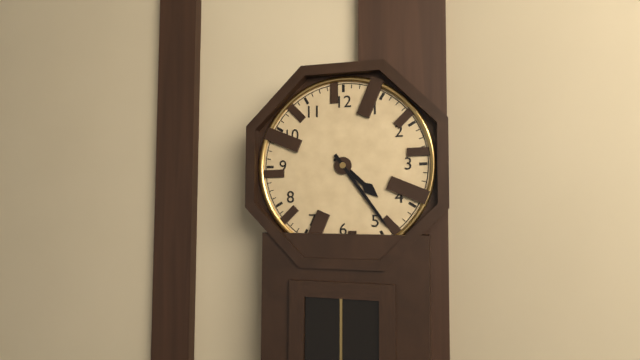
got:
**4:24**
